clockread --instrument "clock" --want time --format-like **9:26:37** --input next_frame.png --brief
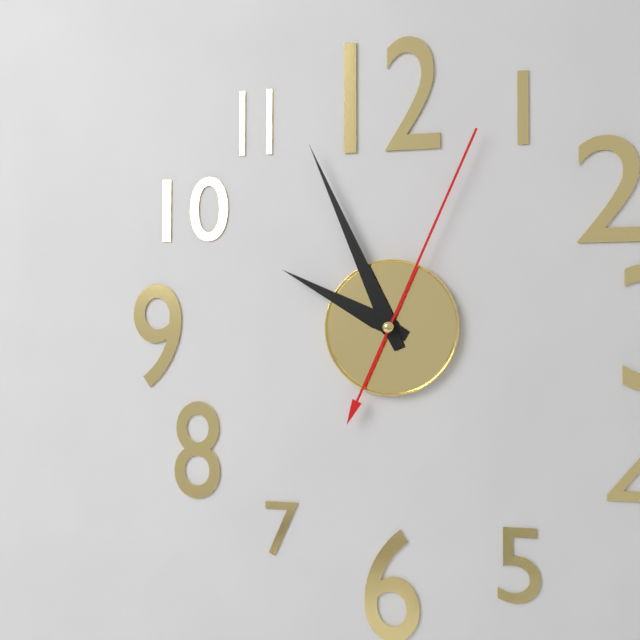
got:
**9:56:04**
